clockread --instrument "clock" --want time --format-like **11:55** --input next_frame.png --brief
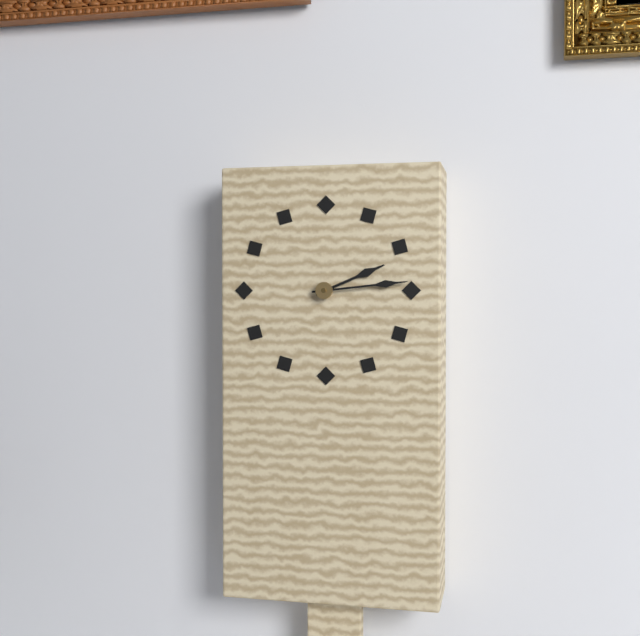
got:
**2:14**
